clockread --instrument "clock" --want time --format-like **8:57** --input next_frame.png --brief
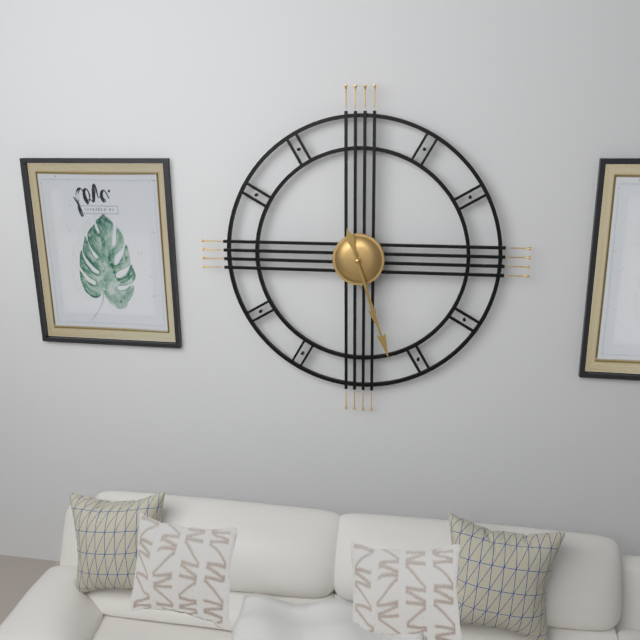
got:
**5:27**
